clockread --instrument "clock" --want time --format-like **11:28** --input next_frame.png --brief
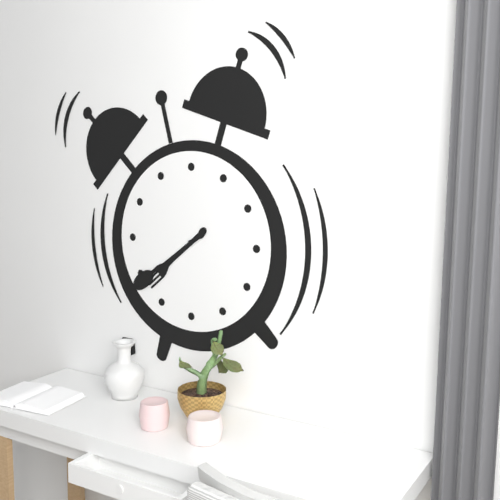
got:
**7:39**
